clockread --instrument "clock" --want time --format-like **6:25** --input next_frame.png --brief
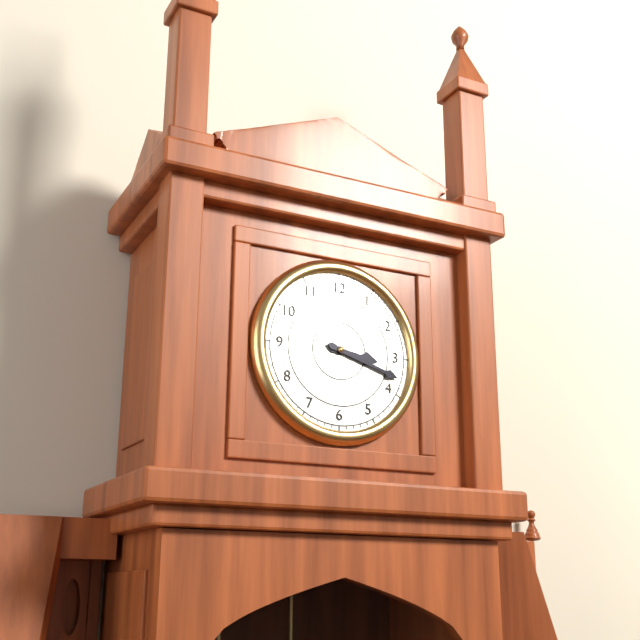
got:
**3:18**
